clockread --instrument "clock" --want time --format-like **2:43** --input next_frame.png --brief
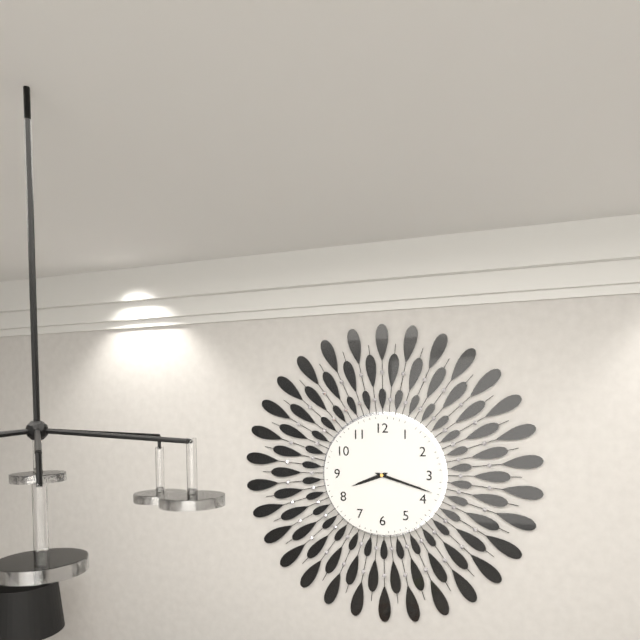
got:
**8:18**
